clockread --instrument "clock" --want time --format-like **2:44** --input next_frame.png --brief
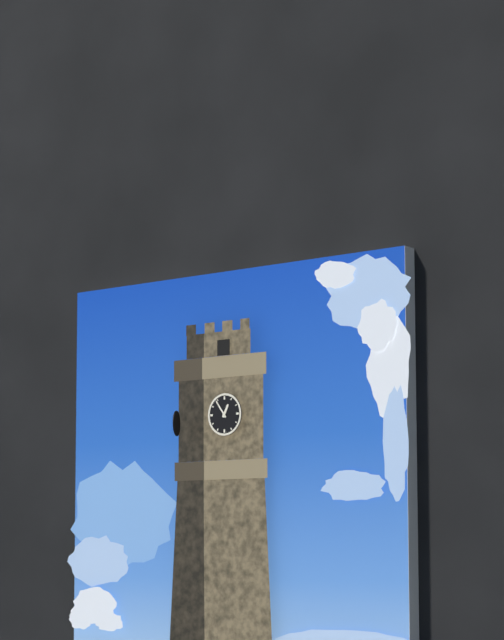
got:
**12:54**
